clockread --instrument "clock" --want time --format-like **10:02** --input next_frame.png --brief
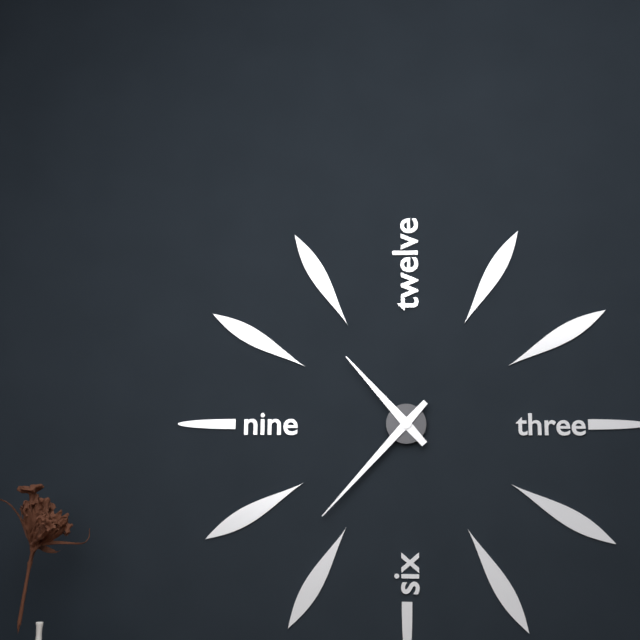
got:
**10:37**
